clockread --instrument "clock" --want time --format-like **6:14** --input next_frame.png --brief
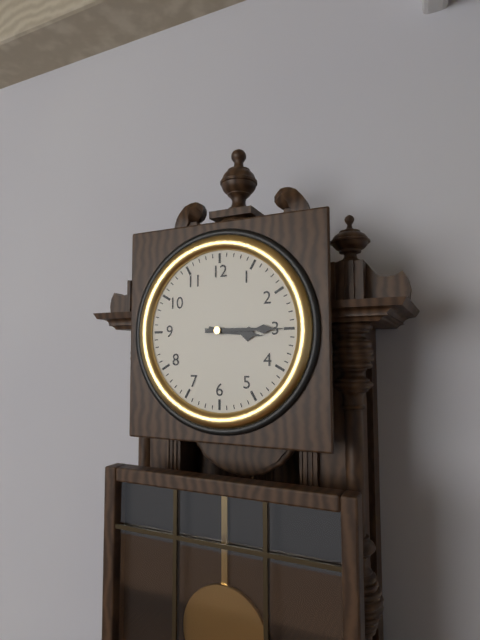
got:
**3:15**
